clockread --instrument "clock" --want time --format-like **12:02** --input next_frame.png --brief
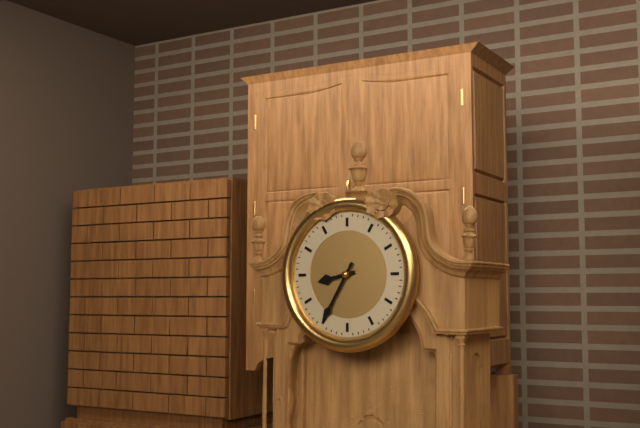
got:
**8:35**
